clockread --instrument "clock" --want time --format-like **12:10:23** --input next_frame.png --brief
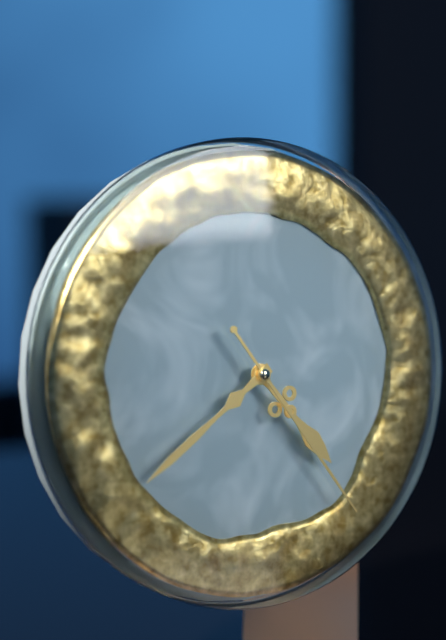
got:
**4:39:24**
